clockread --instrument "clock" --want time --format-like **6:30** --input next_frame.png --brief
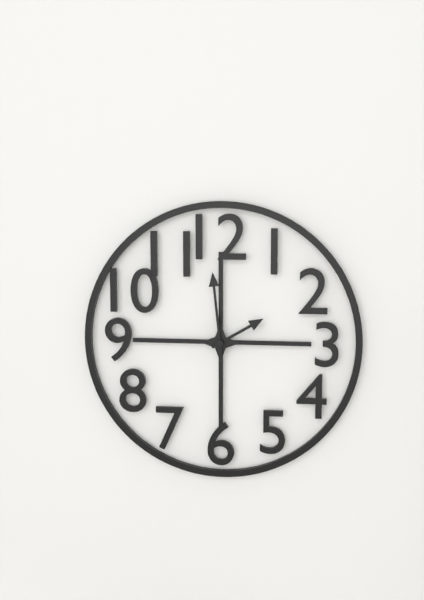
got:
**1:59**
